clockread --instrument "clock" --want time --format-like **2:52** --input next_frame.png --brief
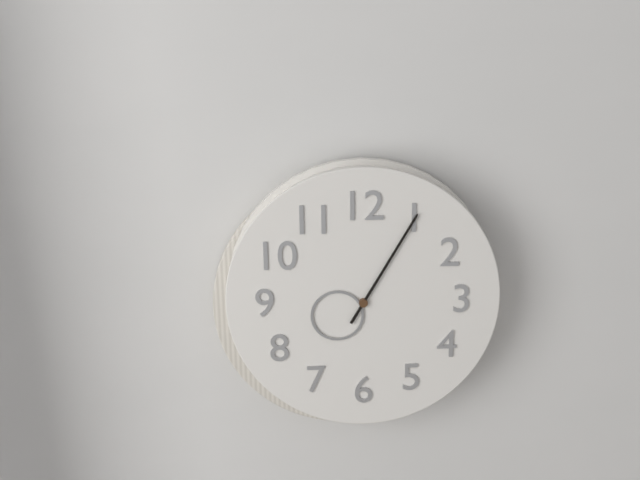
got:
**8:05**
